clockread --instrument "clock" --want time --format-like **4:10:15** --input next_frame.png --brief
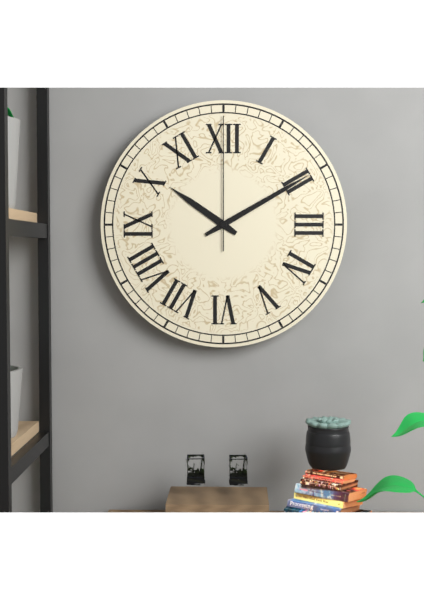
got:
**10:10:00**
